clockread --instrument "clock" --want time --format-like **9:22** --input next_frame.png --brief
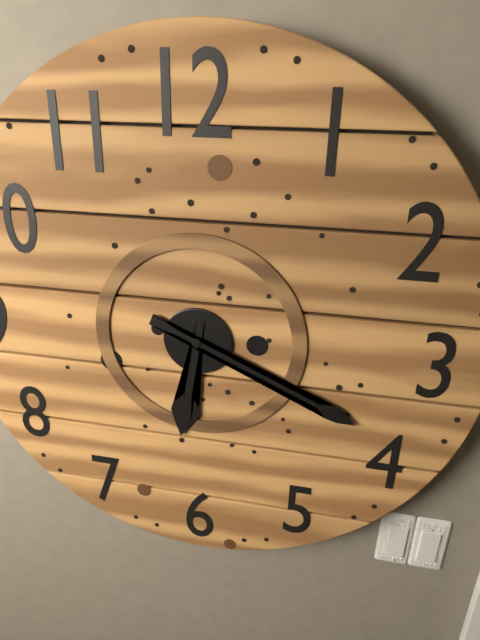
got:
**6:19**
